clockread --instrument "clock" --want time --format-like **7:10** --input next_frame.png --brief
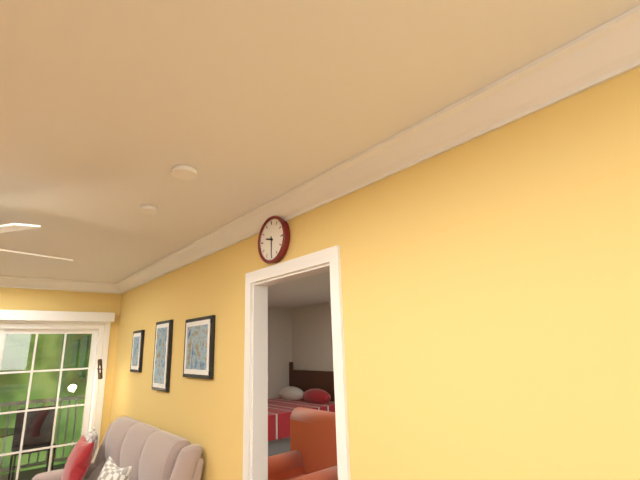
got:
**9:30**
